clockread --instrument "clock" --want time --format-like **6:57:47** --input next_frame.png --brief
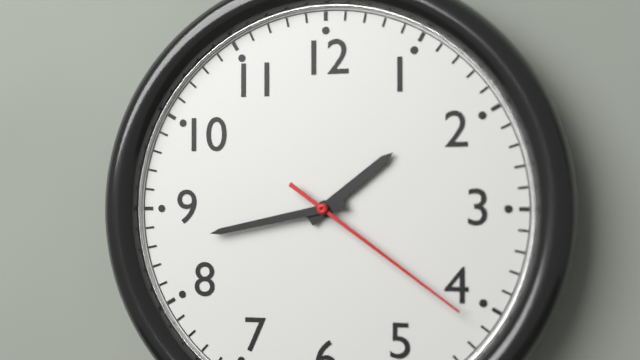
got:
**1:43:21**
